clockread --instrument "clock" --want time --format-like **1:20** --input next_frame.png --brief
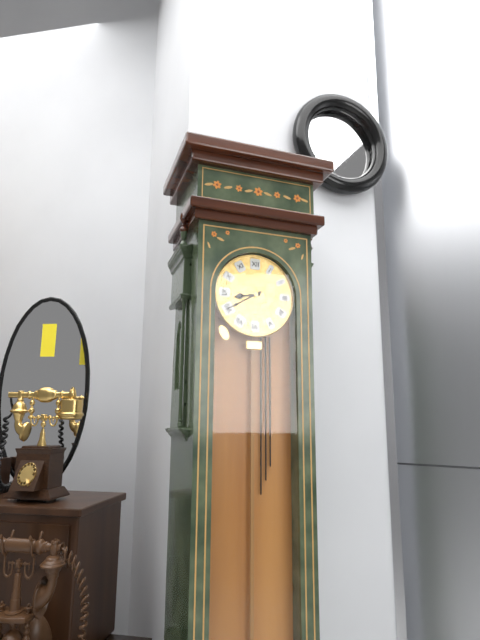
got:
**8:40**
